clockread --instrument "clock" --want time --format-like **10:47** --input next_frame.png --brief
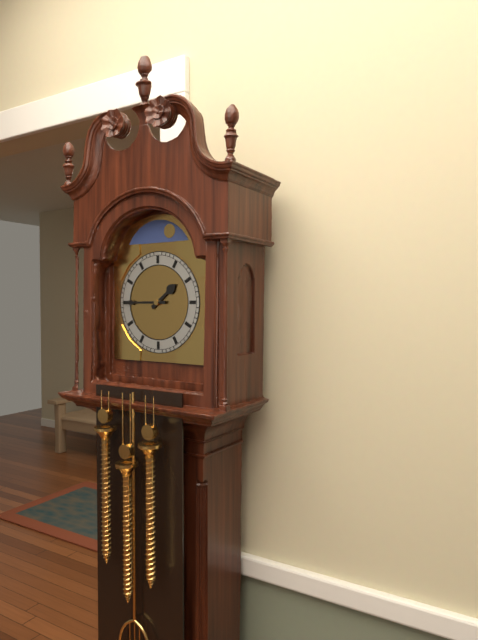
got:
**1:45**
